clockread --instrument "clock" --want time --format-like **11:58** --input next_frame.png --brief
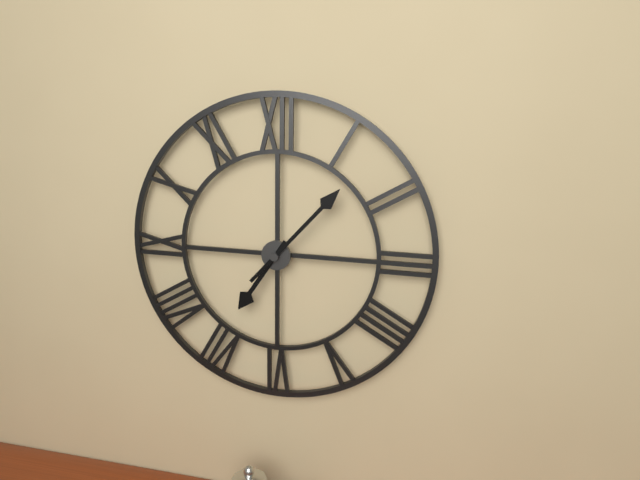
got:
**7:07**
